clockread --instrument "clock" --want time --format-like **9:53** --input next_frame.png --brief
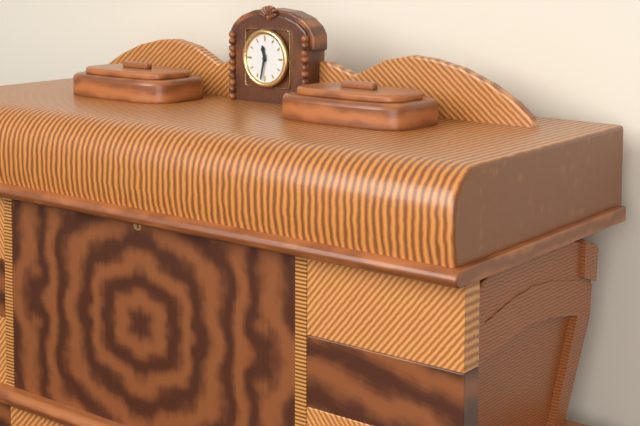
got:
**11:32**
